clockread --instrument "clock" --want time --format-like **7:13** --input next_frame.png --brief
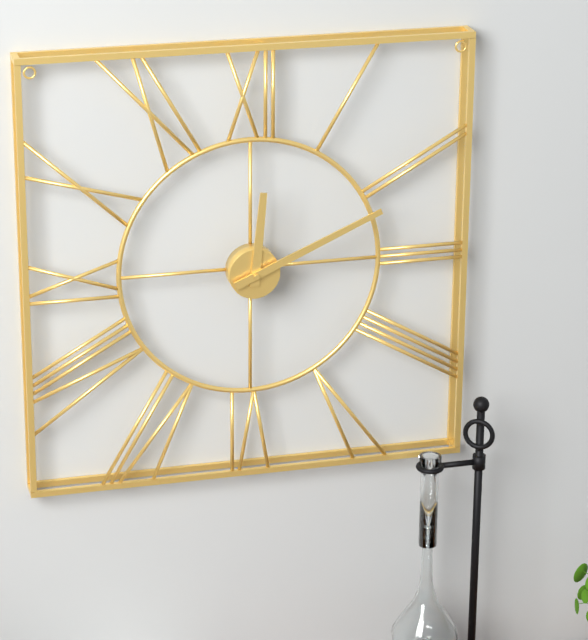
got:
**12:11**
